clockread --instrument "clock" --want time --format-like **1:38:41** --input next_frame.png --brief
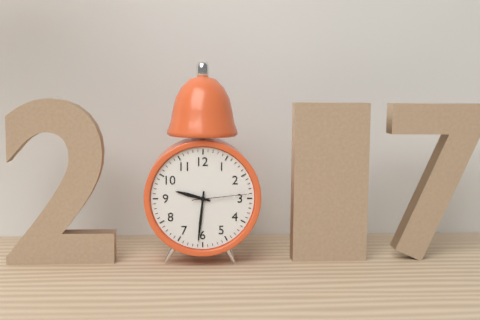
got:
**9:31:14**
